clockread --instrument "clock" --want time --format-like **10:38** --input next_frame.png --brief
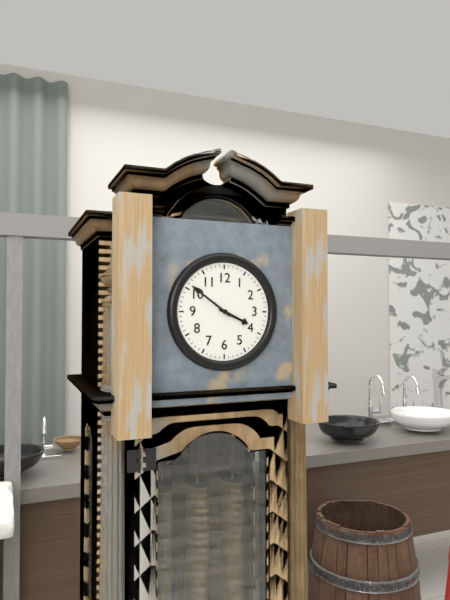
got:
**3:51**
